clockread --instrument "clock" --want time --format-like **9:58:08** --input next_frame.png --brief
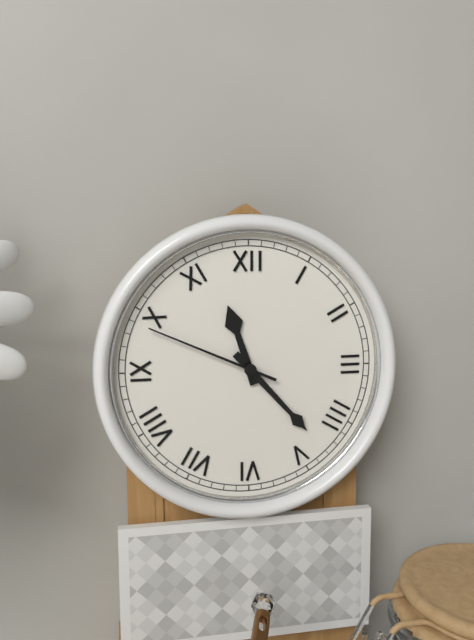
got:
**11:23:49**
